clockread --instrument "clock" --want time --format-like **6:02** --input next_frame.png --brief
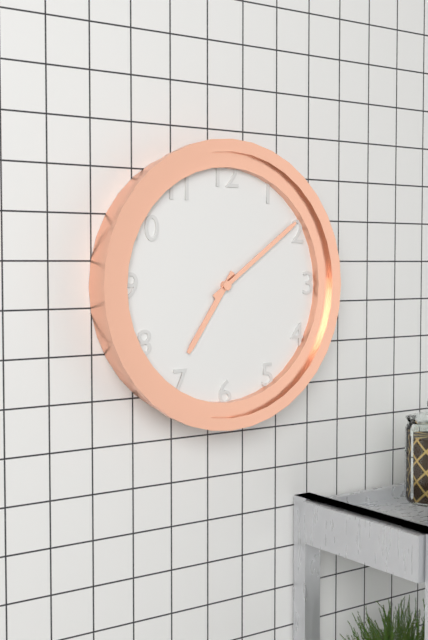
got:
**7:09**
